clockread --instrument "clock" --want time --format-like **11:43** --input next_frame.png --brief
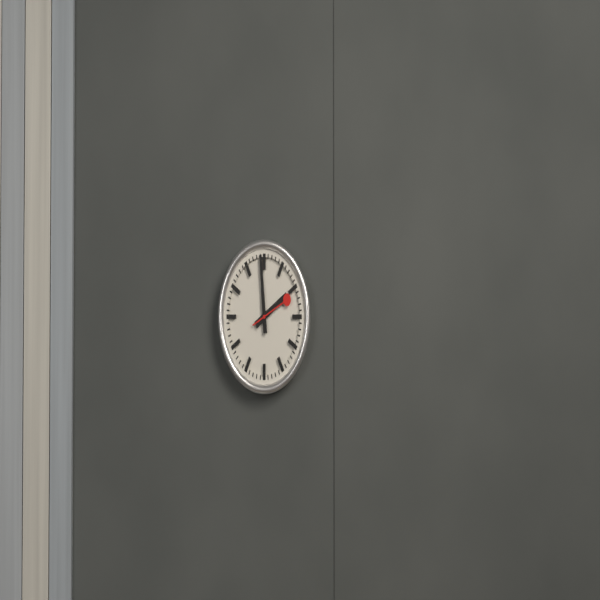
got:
**1:59**
